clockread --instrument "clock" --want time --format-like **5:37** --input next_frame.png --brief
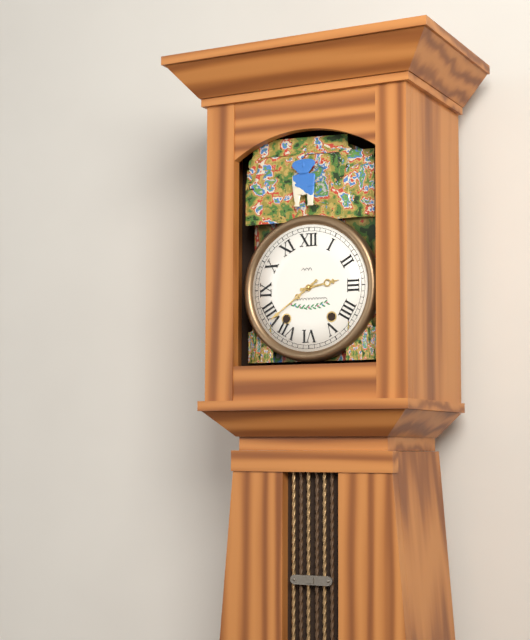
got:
**2:39**
